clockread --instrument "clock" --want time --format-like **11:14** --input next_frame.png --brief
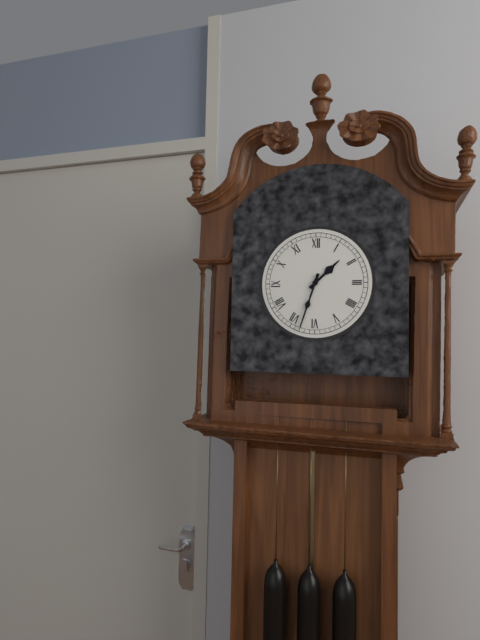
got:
**1:33**
